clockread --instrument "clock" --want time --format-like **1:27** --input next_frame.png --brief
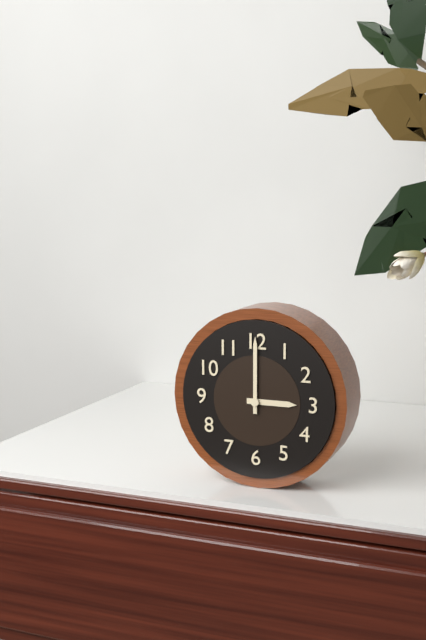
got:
**3:00**
